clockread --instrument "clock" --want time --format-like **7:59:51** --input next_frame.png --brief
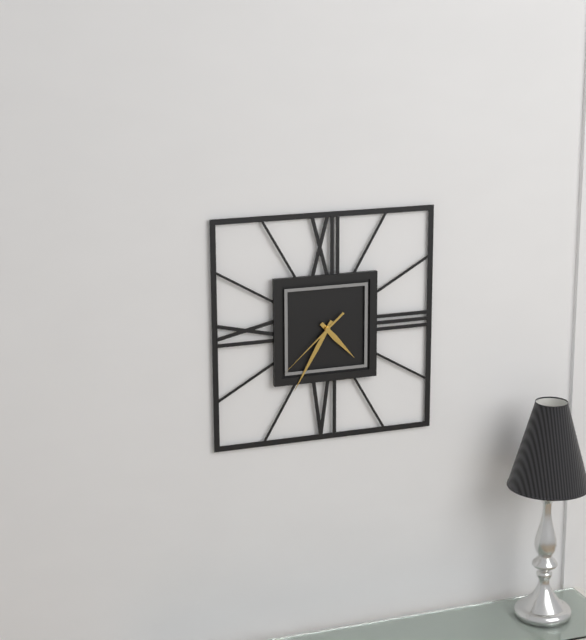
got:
**4:35:38**
